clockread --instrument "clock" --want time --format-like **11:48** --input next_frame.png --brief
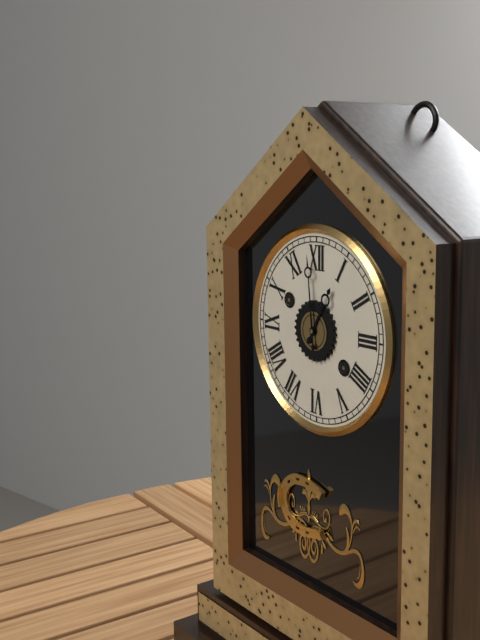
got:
**12:59**
